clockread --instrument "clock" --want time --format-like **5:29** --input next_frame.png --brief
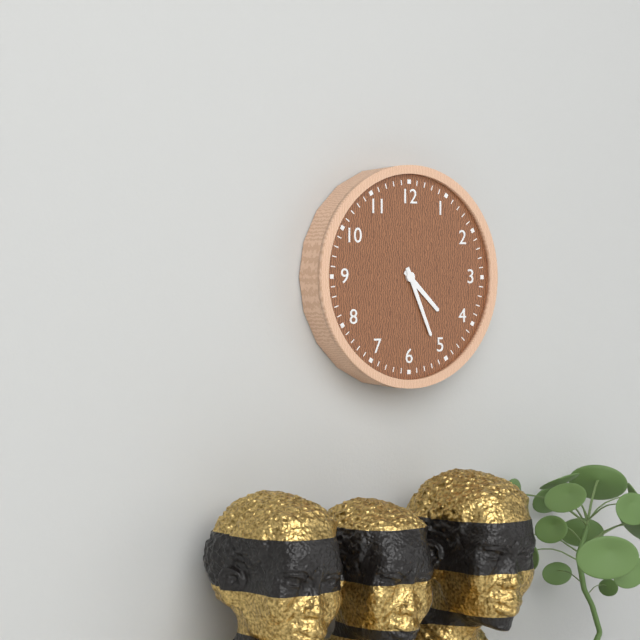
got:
**4:26**
